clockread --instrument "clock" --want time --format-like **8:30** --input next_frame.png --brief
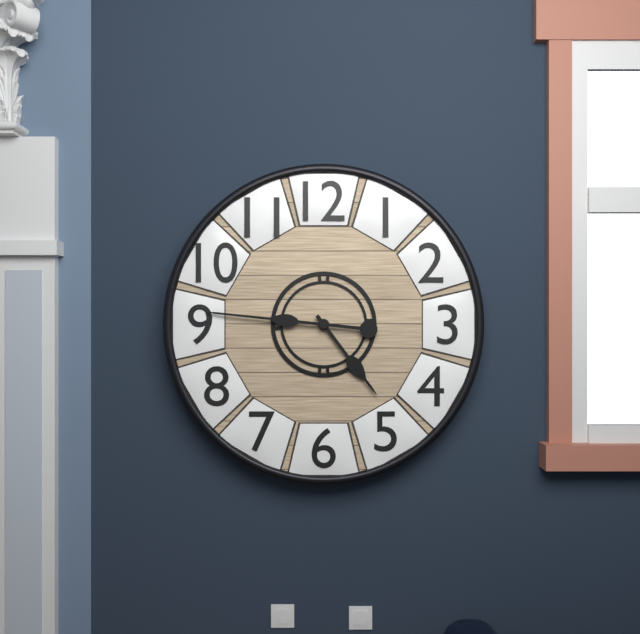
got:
**4:46**
